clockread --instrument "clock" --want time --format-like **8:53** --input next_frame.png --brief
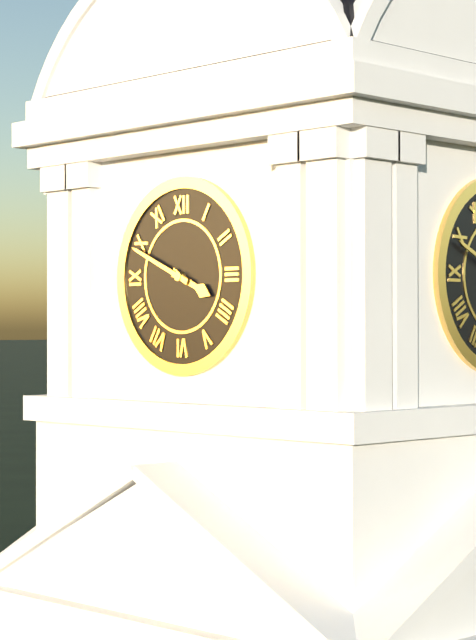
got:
**3:49**
